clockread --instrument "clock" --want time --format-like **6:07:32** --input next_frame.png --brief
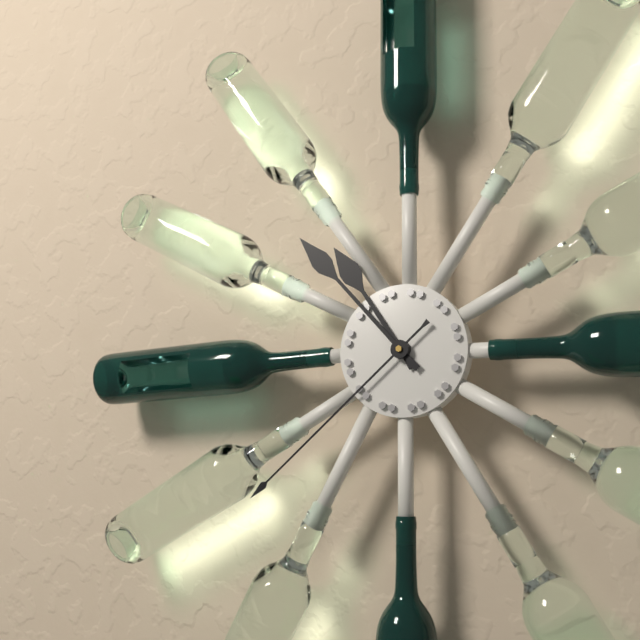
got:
**10:53:38**
